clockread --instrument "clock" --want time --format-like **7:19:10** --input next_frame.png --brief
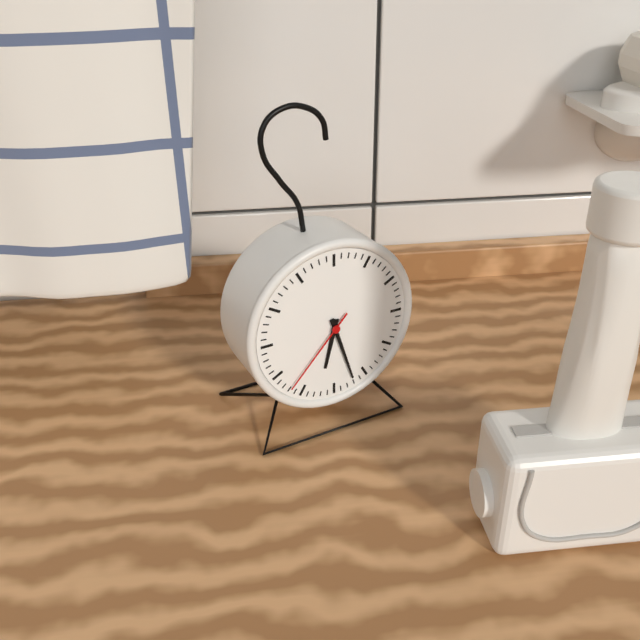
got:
**6:27:37**
